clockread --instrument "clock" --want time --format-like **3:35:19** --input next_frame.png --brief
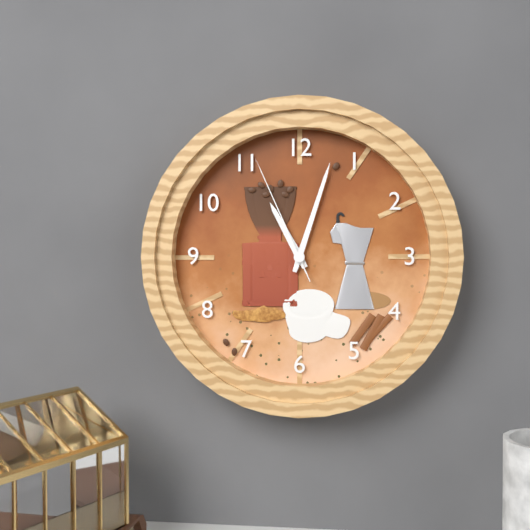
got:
**11:03:56**
